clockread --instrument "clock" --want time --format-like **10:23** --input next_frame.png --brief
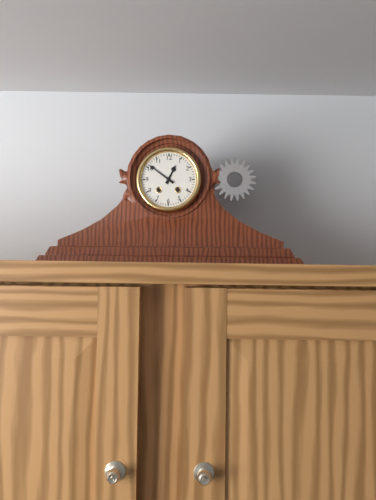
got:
**12:51**
